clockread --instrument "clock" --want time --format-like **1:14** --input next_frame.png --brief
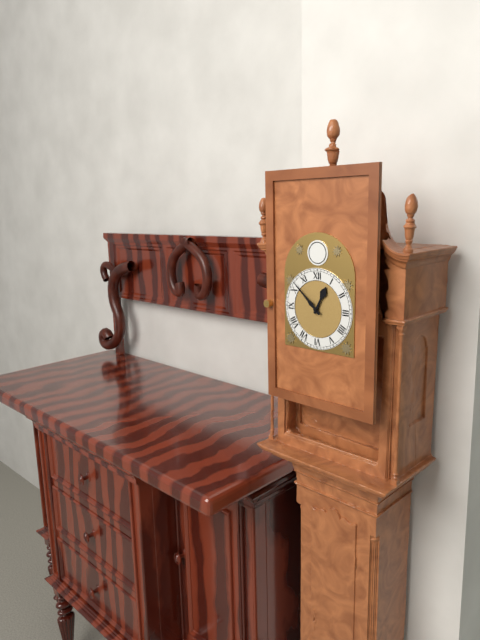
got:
**12:52**
